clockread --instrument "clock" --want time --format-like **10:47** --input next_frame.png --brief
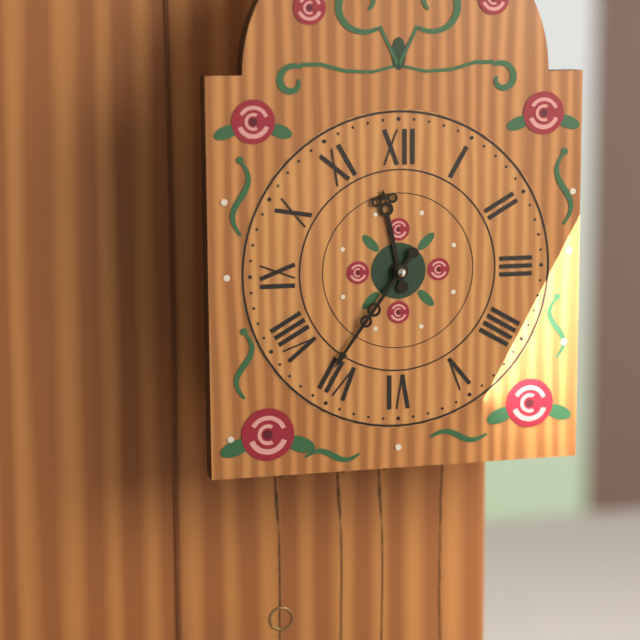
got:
**11:36**
